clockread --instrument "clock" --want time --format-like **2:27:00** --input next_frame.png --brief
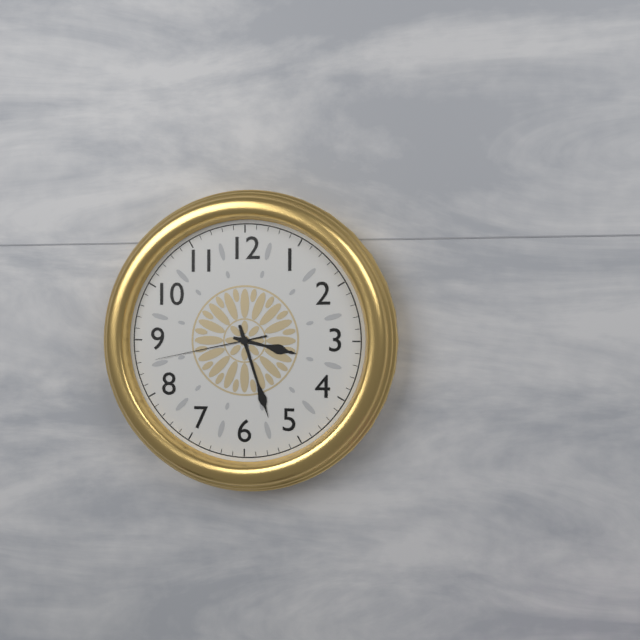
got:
**3:27:43**
